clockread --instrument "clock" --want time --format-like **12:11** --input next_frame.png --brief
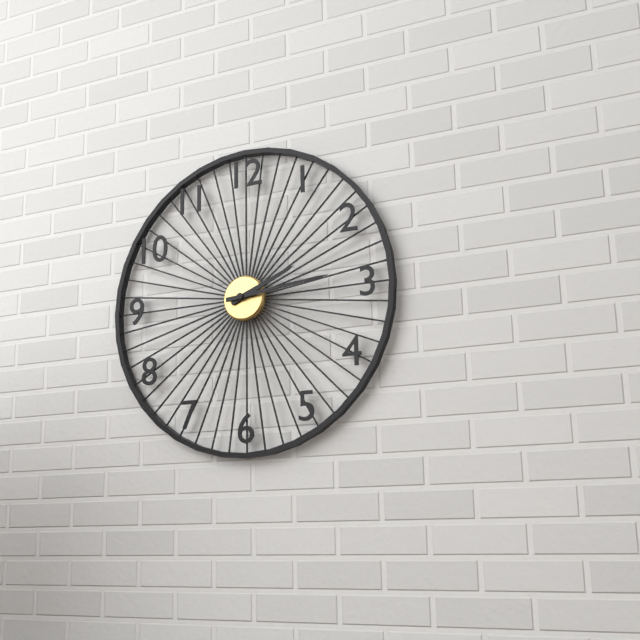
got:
**2:14**
